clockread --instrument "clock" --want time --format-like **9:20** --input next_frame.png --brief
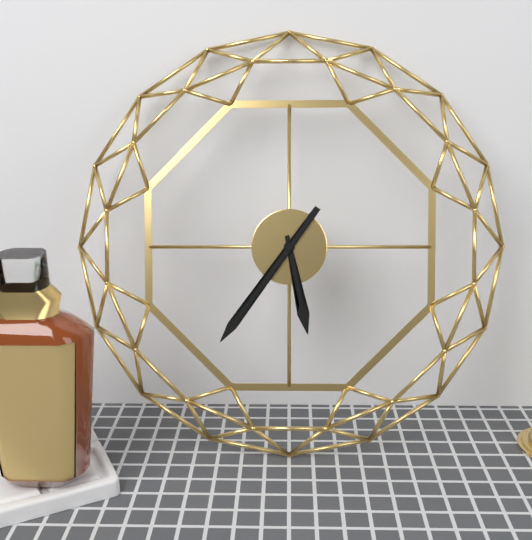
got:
**5:36**
